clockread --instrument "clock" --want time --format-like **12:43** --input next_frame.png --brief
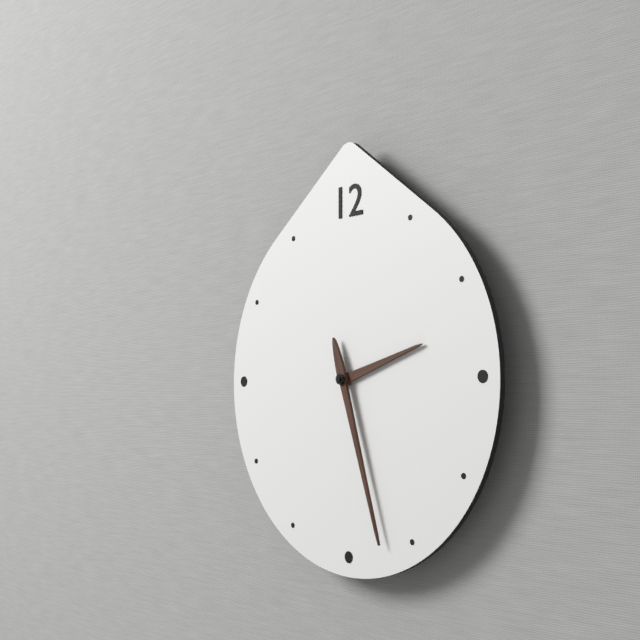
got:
**2:27**
